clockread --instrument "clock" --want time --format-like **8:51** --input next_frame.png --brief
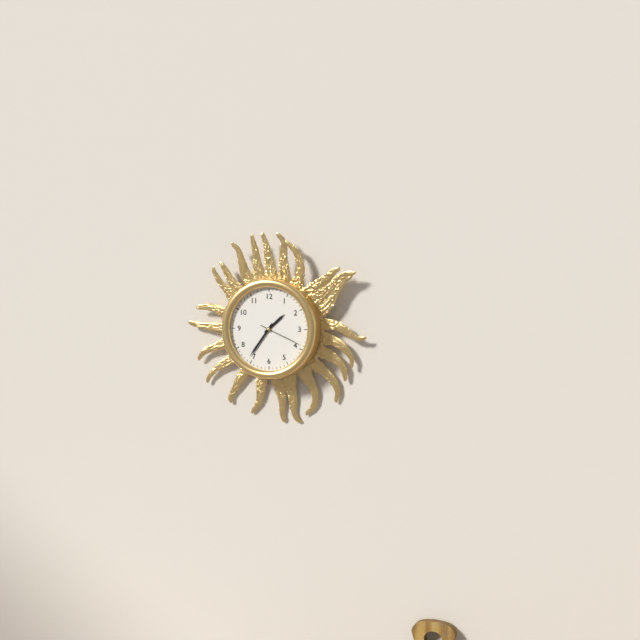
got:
**1:36**
